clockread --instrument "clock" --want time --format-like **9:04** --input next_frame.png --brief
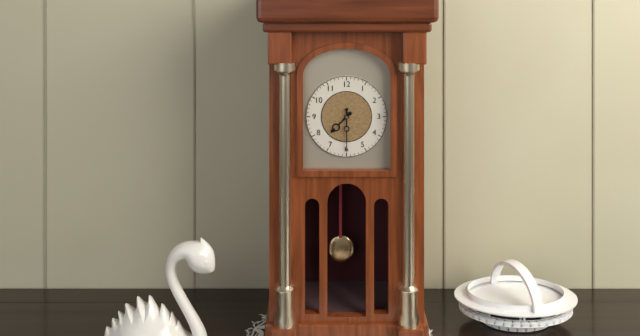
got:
**7:30**
